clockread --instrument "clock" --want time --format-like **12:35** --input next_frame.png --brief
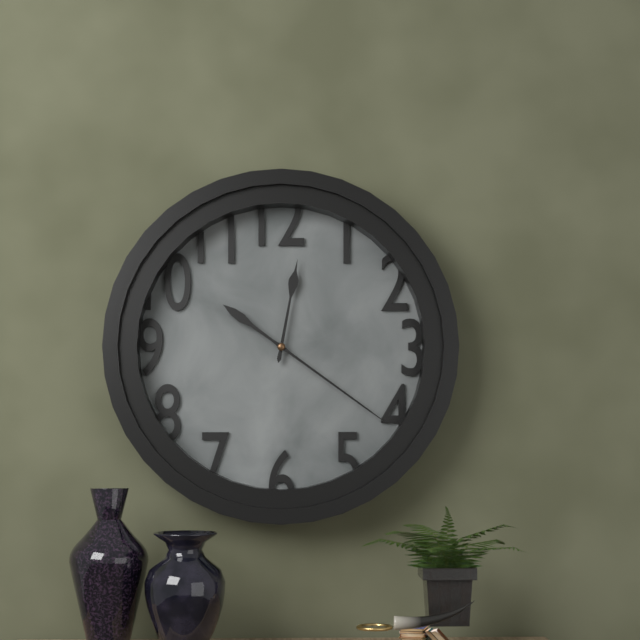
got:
**12:21**
